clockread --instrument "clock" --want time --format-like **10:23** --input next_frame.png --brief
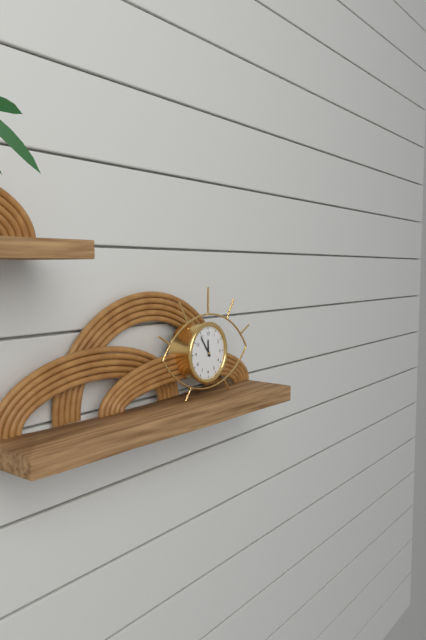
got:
**11:54**
